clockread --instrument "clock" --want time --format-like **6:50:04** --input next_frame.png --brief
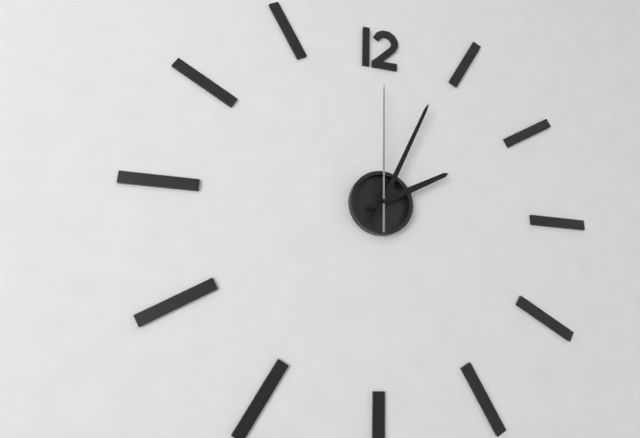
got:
**2:04:00**
